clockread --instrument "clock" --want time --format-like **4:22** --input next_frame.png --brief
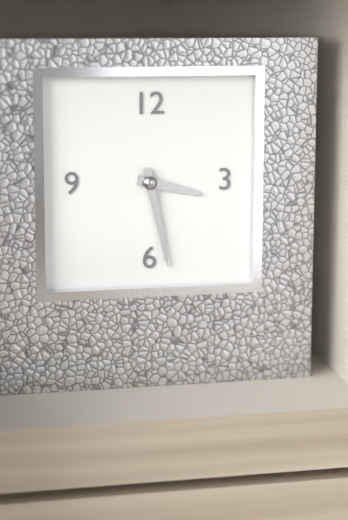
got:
**3:28**
